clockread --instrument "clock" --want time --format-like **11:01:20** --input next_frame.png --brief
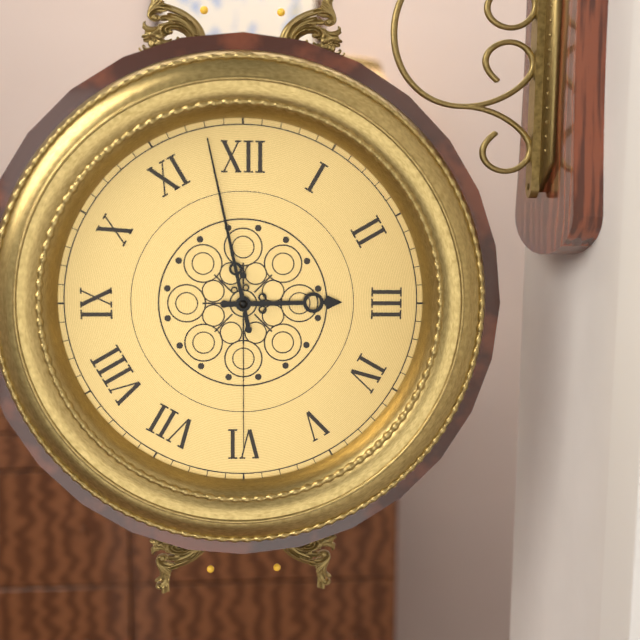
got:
**2:58:30**
